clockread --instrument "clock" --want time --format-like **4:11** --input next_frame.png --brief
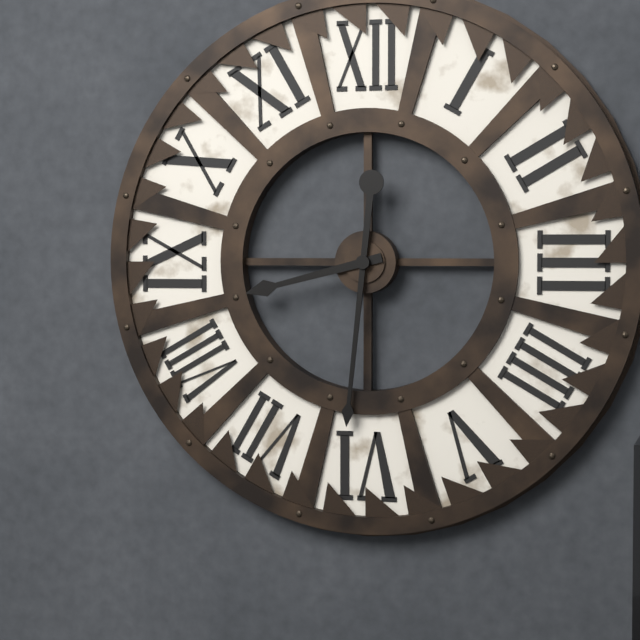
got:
**8:31**
